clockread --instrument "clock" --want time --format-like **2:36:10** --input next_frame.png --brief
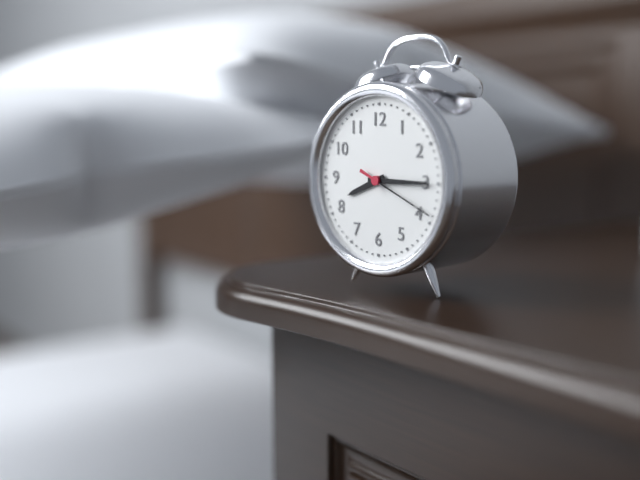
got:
**8:15:19**
